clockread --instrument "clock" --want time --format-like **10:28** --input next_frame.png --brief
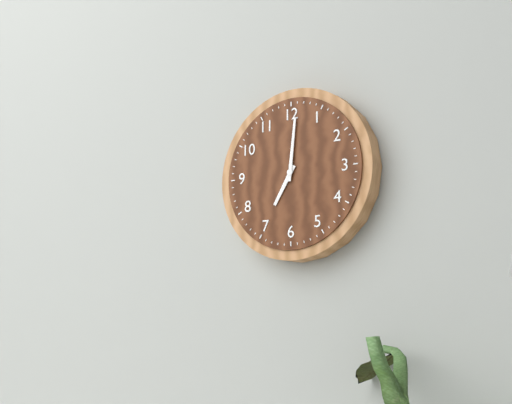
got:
**7:01**
